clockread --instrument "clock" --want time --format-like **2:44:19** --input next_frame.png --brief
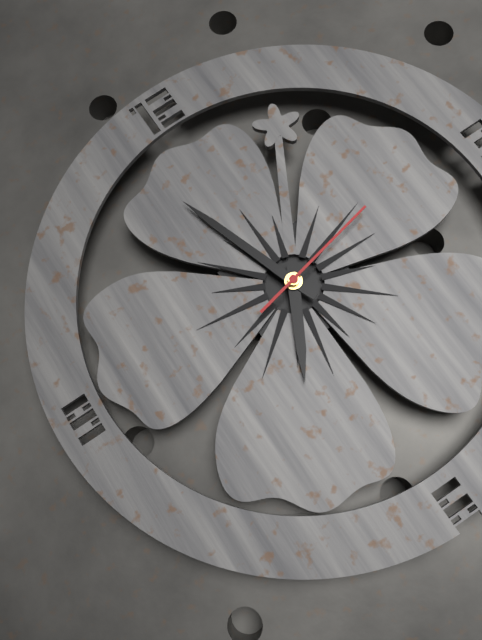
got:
**6:57:13**
